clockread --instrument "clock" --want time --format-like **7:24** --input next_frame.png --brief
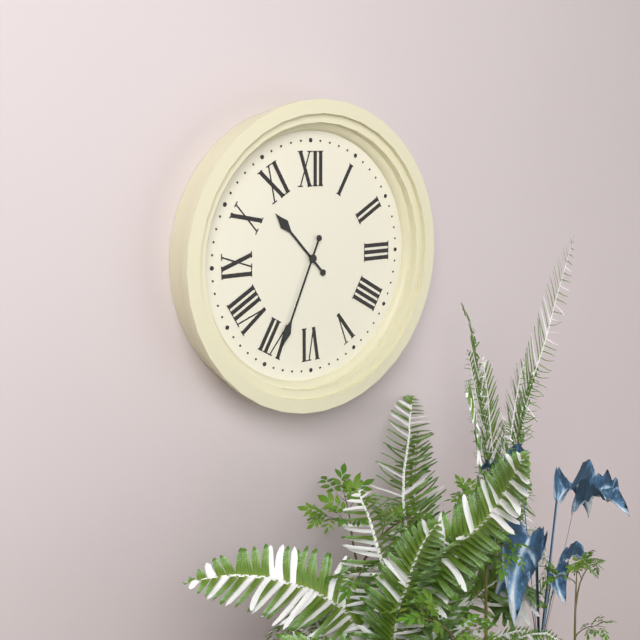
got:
**10:34**
